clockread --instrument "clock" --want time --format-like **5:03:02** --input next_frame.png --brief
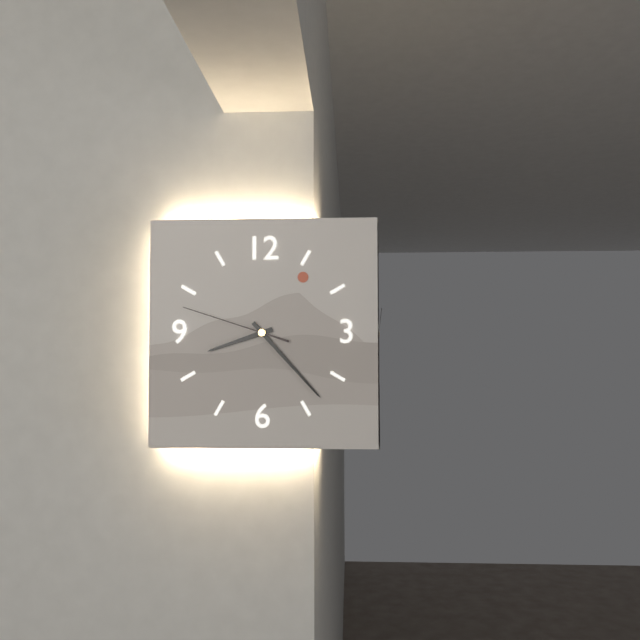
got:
**8:23:48**
